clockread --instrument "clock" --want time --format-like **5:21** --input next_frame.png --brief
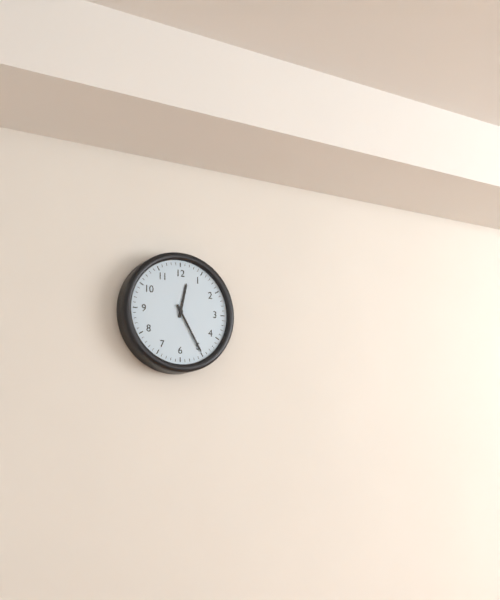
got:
**12:25**
